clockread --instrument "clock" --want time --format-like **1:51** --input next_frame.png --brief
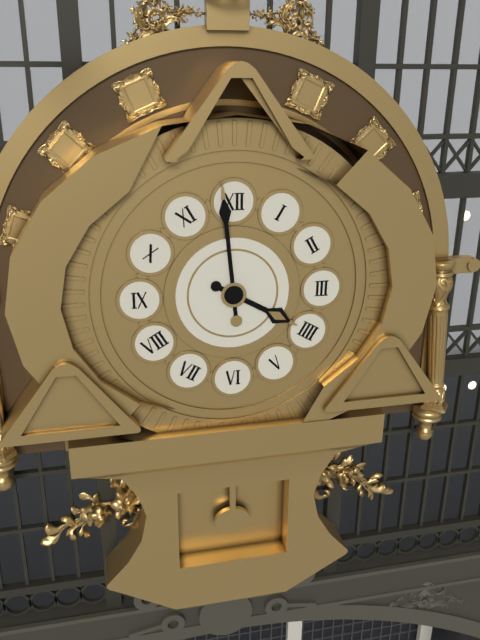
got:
**3:59**
